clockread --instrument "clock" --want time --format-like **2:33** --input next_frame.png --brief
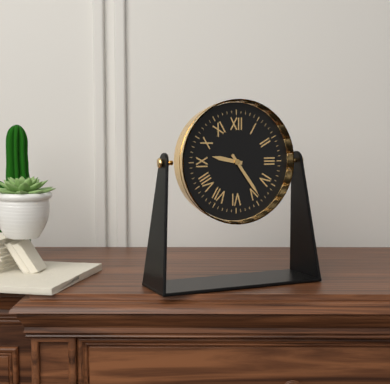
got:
**9:24**
